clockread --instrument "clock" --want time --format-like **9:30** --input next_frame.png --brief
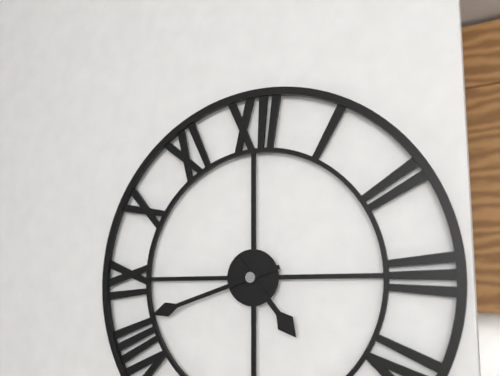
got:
**4:42**
